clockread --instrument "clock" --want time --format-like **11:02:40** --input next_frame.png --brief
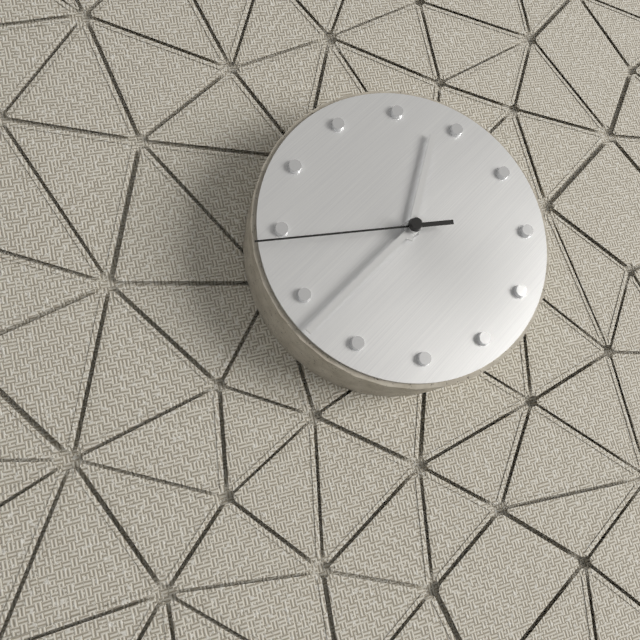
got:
**12:38:44**
